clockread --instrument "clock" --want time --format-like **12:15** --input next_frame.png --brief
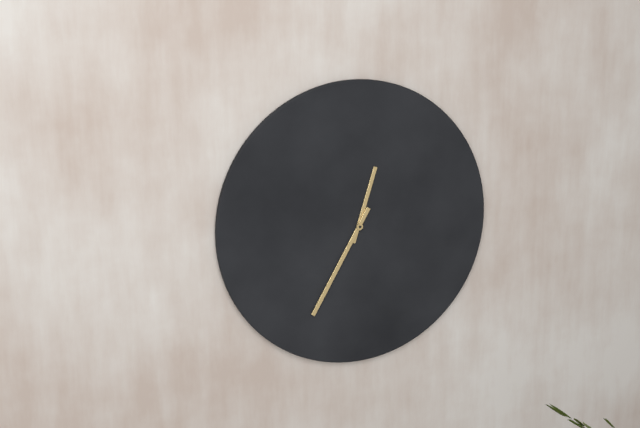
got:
**12:35**
